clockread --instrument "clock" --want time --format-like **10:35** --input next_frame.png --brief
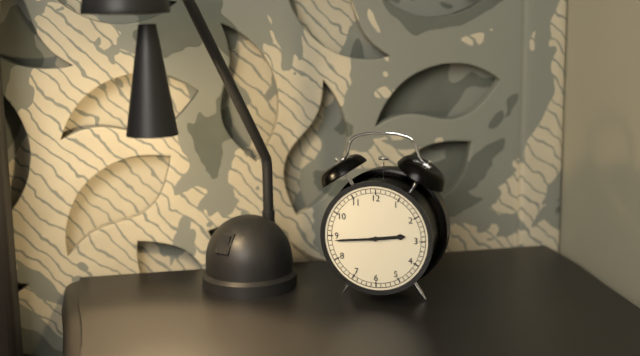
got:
**2:44**
